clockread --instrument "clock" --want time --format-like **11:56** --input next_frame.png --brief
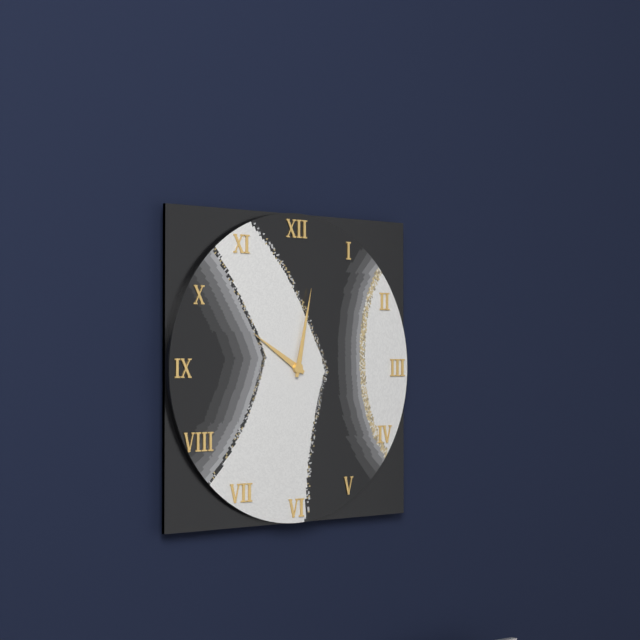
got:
**10:02**
